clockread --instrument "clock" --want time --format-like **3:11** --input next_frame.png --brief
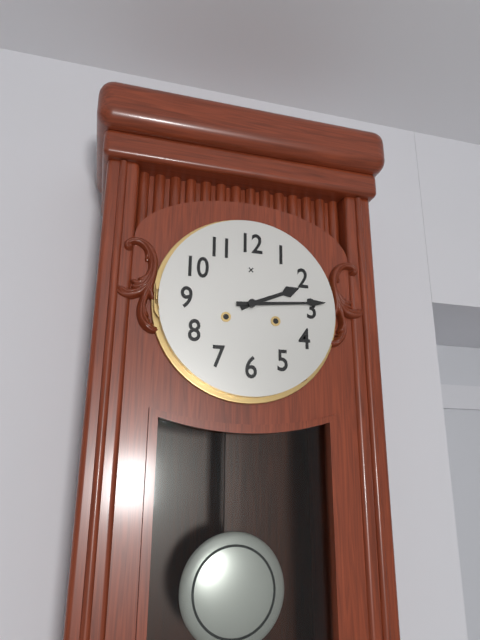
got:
**2:14**
